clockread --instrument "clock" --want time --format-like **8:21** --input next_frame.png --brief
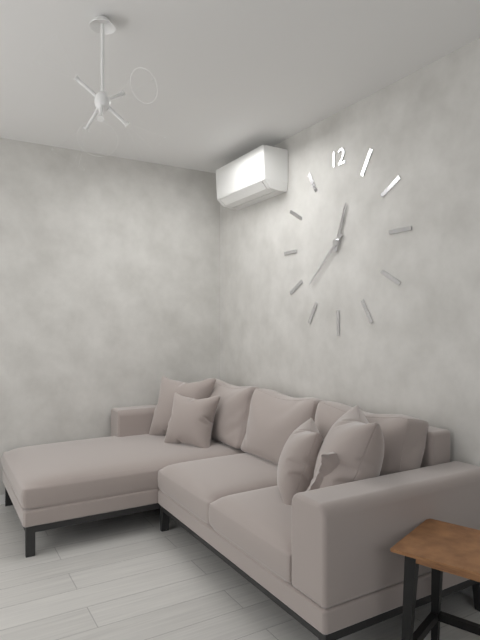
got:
**12:38**
